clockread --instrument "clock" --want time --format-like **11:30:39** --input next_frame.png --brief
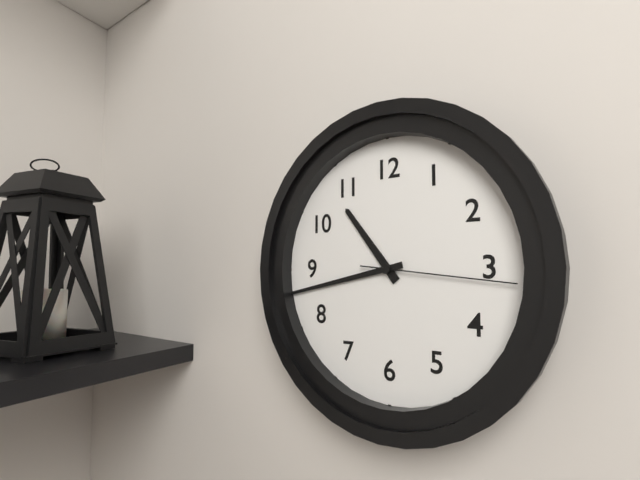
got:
**10:43:16**
